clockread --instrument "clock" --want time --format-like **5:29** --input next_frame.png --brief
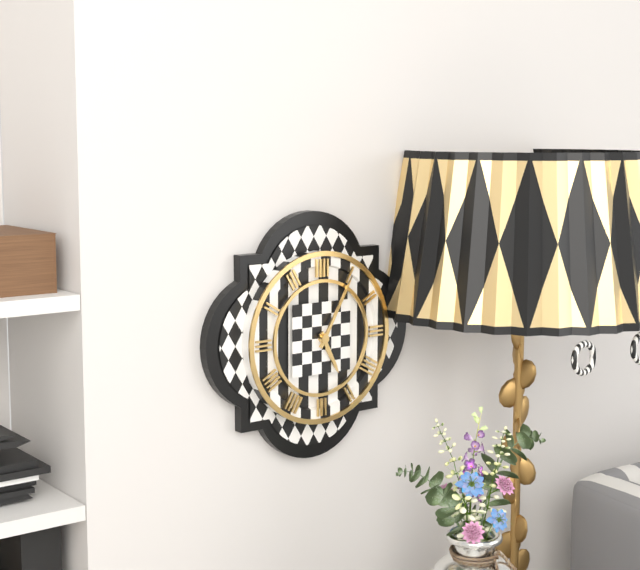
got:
**5:05**
